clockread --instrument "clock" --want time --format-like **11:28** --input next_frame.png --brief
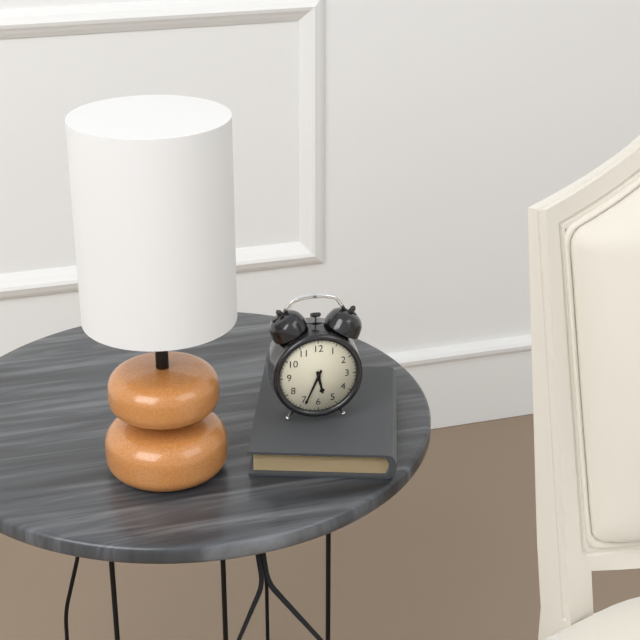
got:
**5:34**
